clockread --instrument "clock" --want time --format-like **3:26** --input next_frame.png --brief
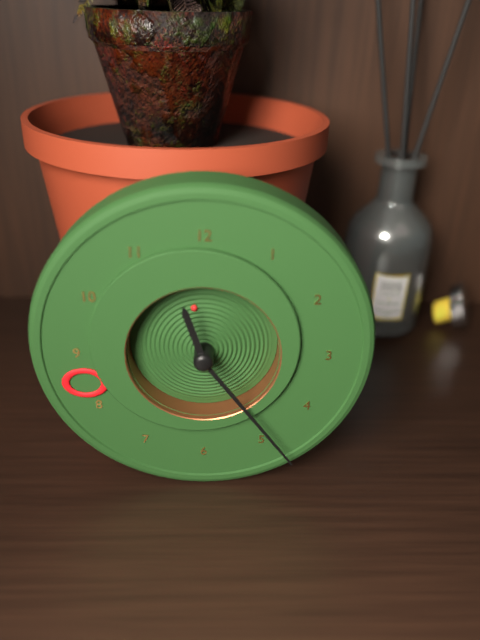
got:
**11:24**
